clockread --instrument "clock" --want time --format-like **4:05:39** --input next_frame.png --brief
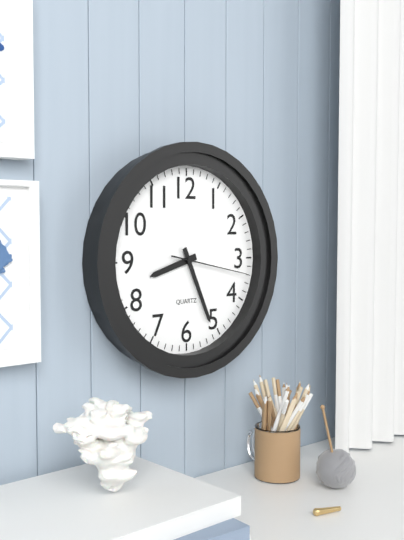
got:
**8:26:17**
